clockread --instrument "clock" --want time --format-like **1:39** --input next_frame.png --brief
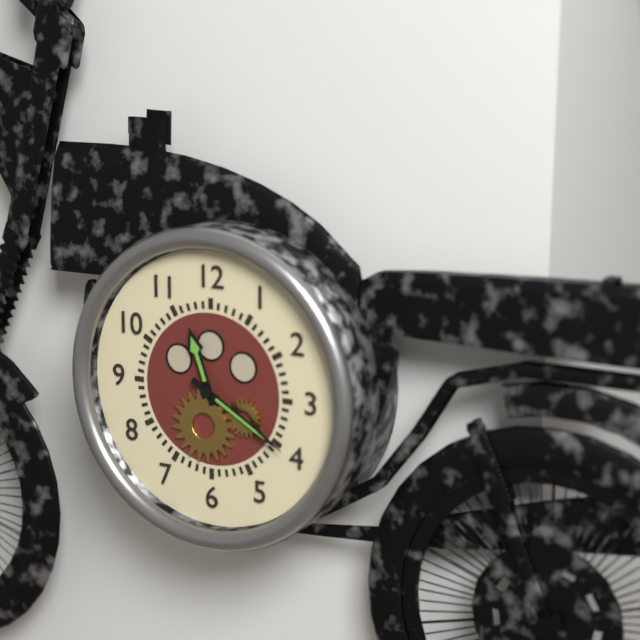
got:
**11:20**
